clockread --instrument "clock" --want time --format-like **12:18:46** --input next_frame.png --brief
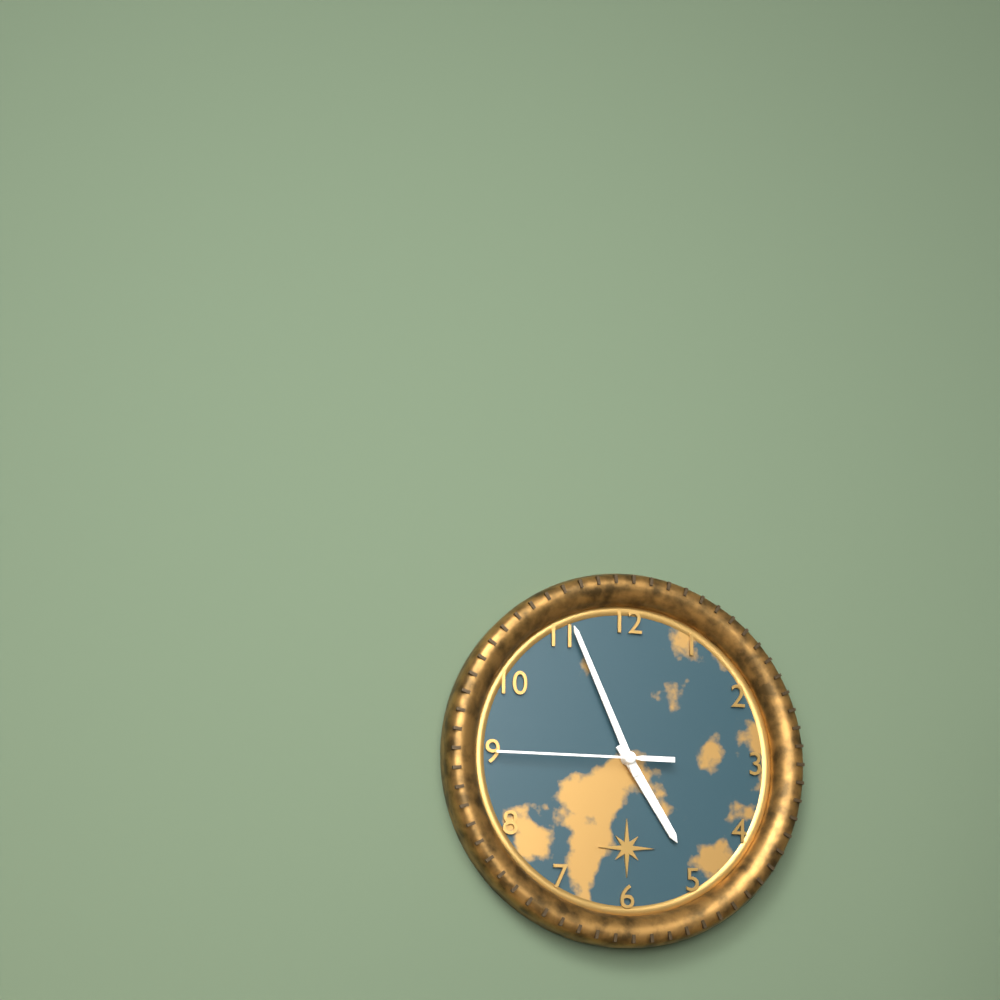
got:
**4:56:45**
